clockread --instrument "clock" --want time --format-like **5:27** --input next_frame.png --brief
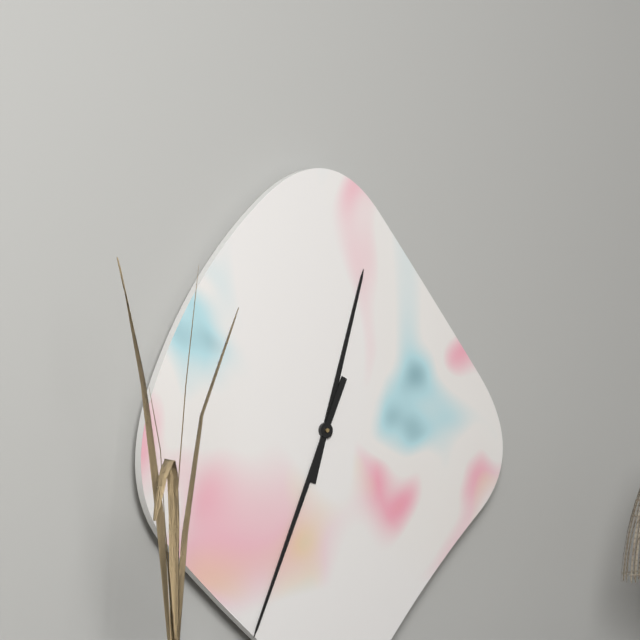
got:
**12:34**
